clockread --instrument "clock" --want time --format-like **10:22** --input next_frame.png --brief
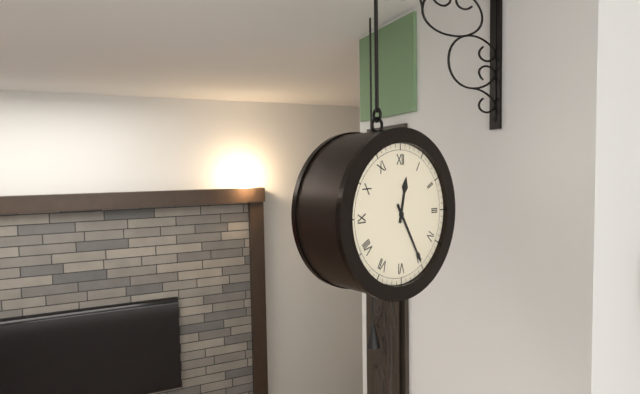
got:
**12:25**
